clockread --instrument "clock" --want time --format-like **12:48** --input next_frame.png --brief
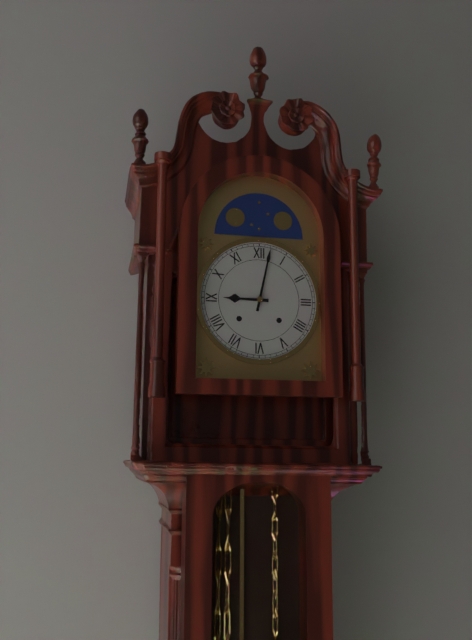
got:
**9:02**
